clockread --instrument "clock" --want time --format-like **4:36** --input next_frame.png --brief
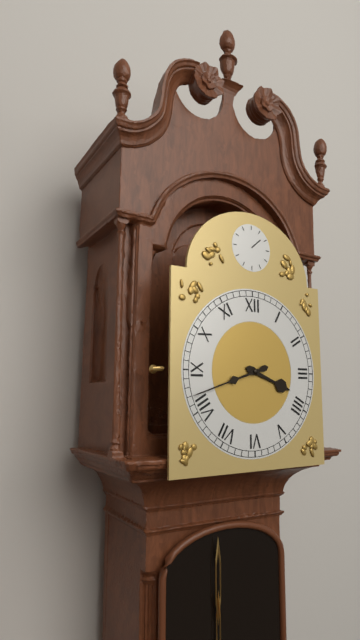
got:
**3:42**
